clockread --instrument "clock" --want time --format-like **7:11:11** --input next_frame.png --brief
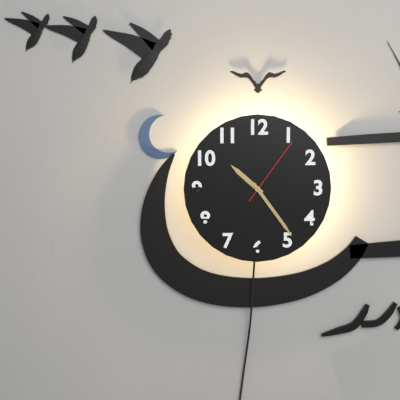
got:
**10:24:06**
